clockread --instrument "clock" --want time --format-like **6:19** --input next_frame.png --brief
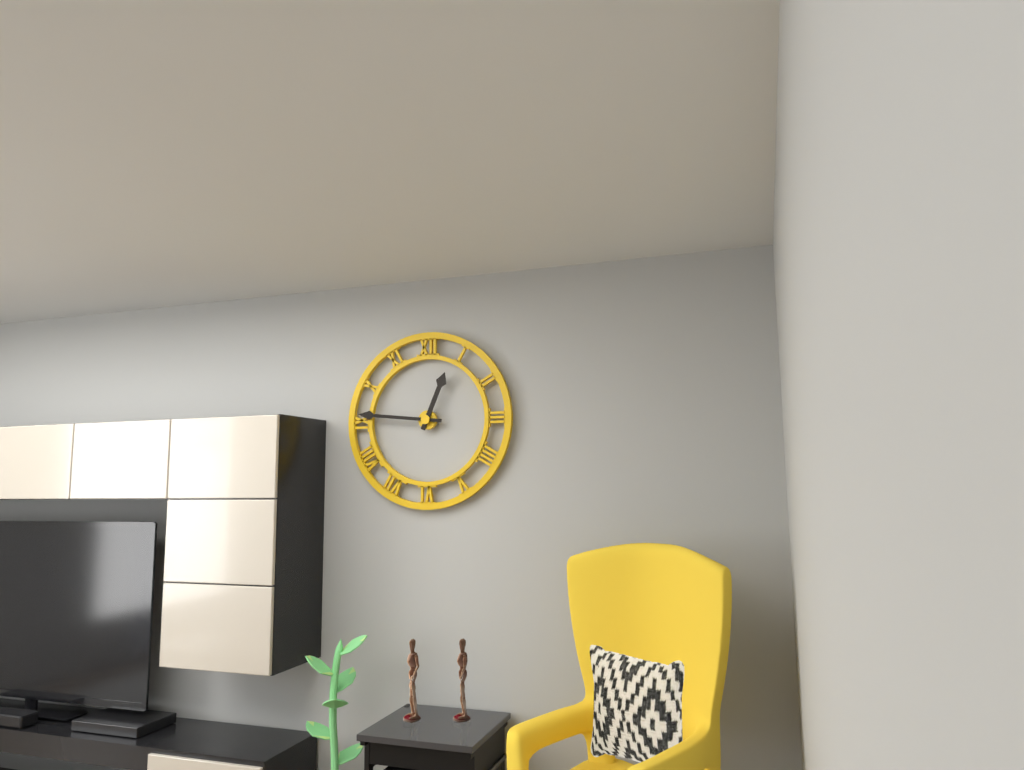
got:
**12:46**
